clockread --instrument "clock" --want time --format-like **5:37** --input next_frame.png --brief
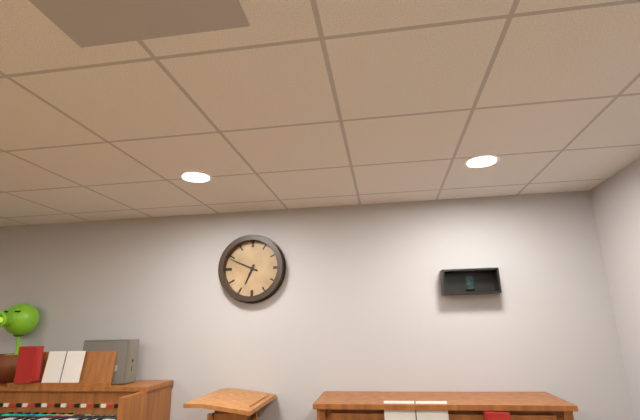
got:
**6:49**
